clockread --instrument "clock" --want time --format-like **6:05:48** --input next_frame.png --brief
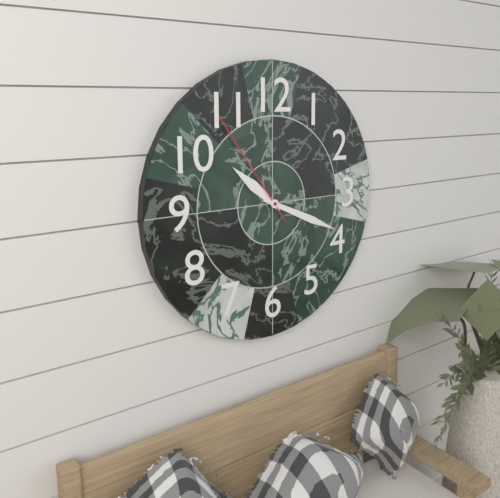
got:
**10:19:54**
